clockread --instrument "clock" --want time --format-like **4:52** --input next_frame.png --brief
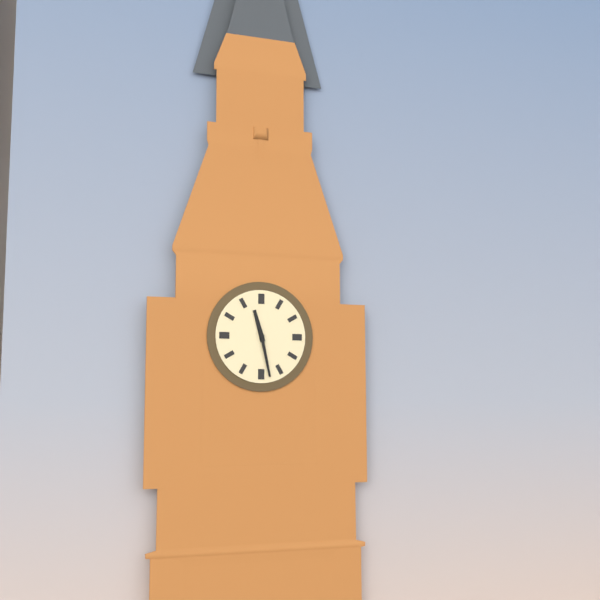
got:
**11:28**
